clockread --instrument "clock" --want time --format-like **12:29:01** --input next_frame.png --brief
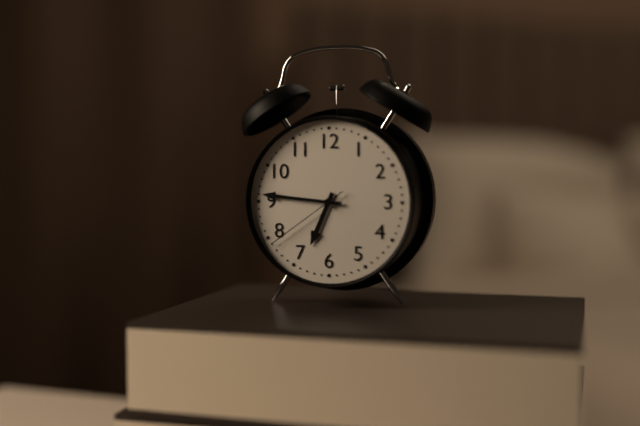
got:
**6:46:39**
